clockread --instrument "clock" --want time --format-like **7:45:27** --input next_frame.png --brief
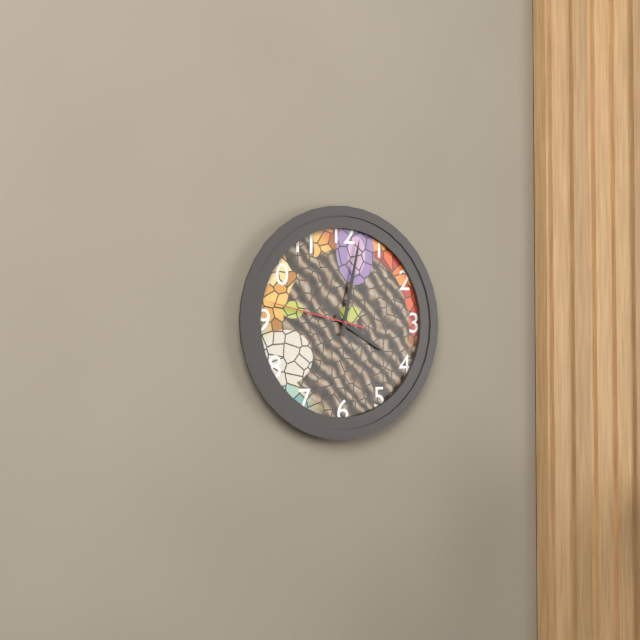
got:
**4:02:47**
